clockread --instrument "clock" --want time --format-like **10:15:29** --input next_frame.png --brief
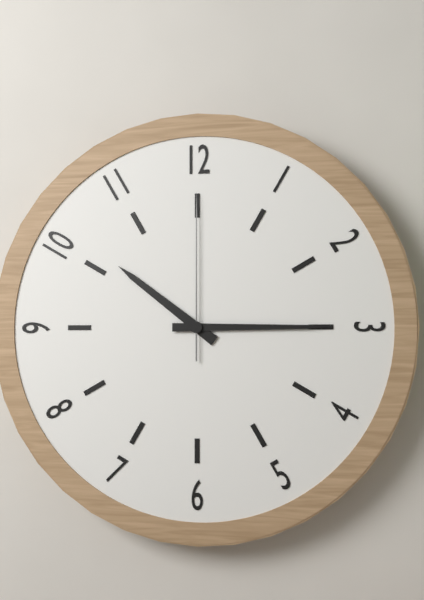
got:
**10:15:00**
